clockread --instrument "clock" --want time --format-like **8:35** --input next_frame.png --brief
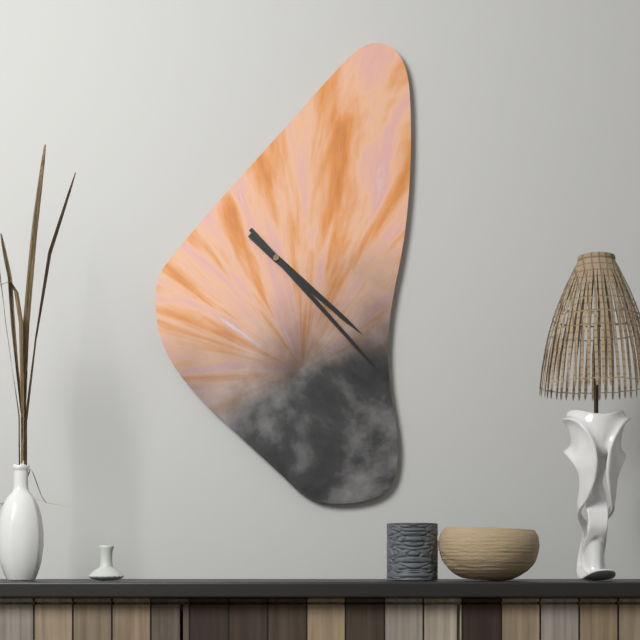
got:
**4:23**
